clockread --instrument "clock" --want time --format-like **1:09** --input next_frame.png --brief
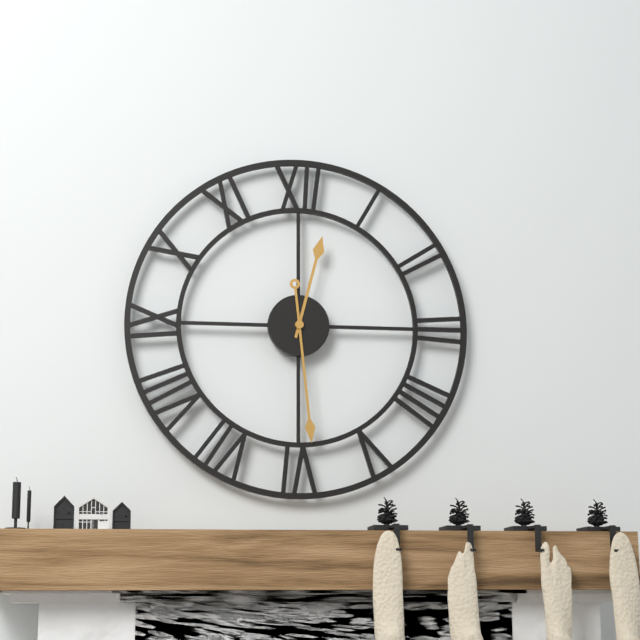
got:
**12:29**
